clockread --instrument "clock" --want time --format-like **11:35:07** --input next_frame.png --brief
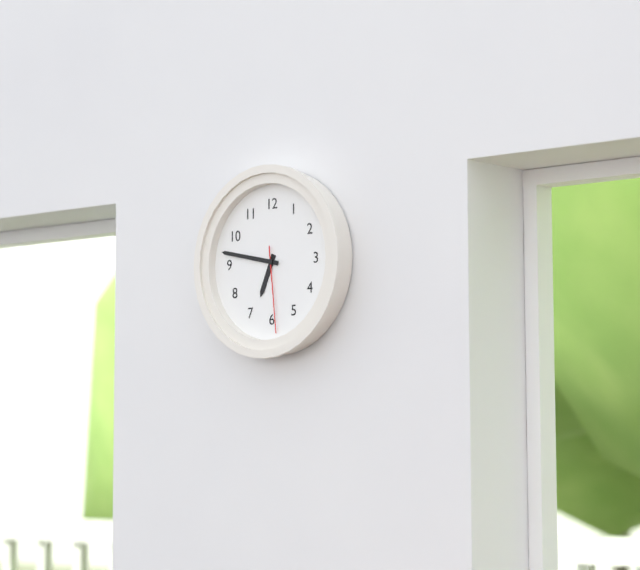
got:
**6:47:29**
